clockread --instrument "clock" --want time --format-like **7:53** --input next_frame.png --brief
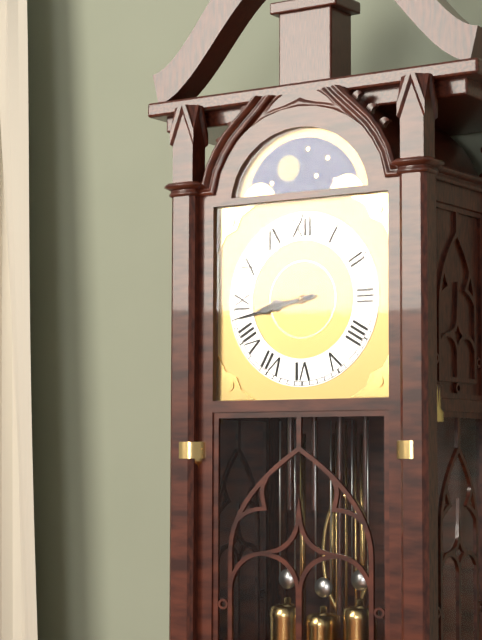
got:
**8:43**
